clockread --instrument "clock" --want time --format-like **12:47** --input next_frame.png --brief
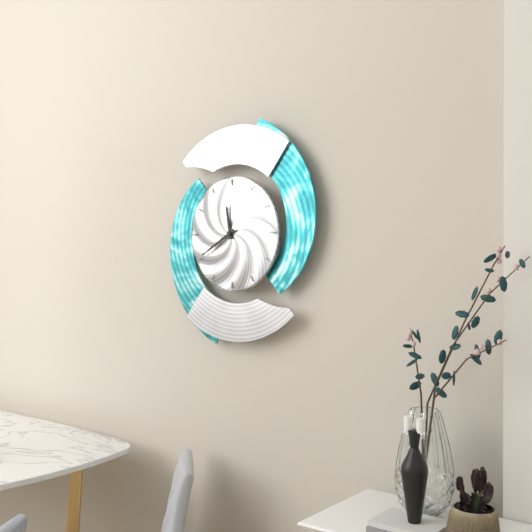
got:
**11:40**
